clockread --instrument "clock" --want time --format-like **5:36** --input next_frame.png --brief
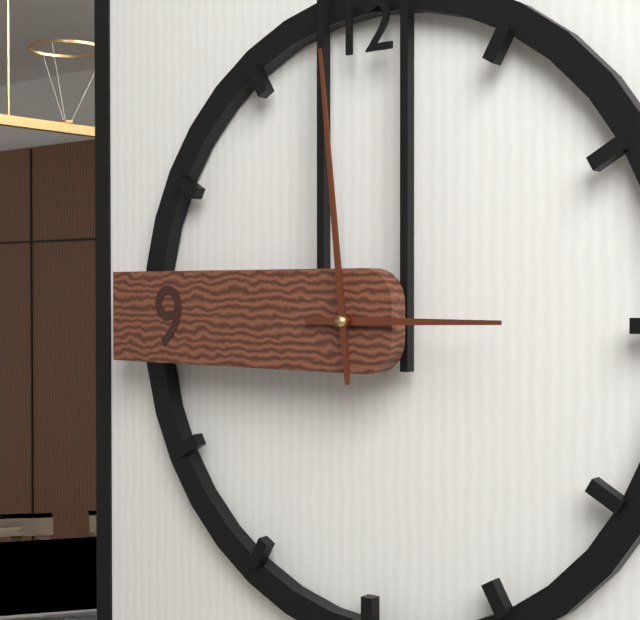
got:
**2:59**
